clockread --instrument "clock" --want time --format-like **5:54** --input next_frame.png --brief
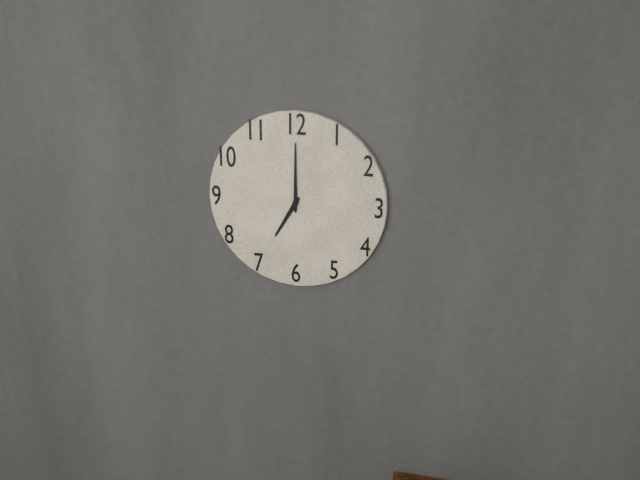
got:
**7:00**
